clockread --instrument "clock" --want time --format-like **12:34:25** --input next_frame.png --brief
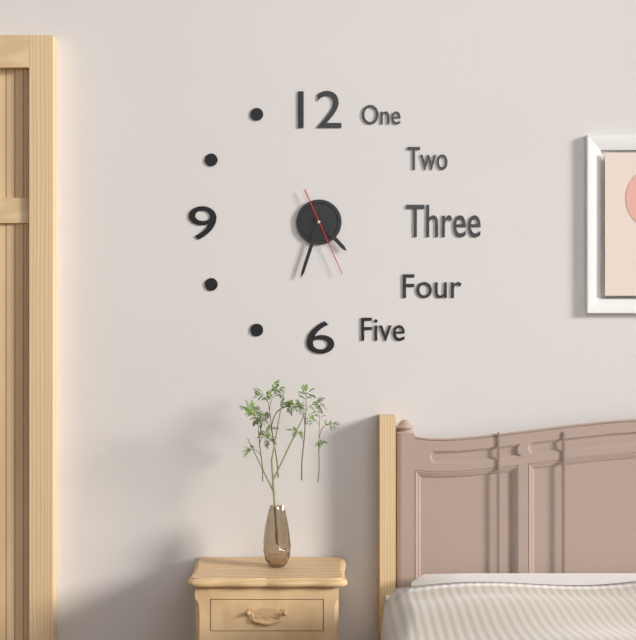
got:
**4:33:26**
